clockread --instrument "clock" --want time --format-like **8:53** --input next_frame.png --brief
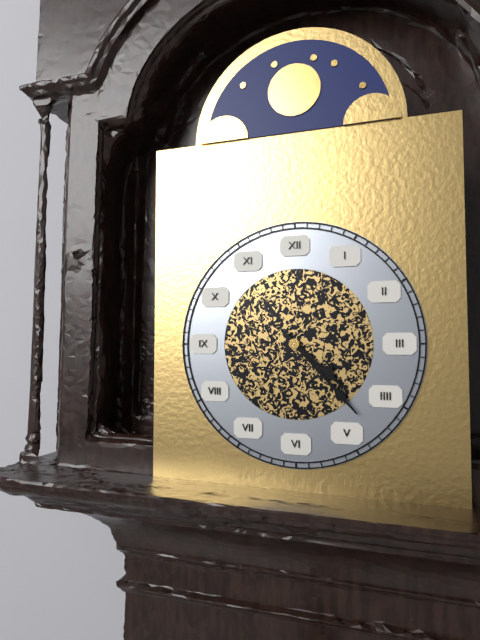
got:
**4:23**
